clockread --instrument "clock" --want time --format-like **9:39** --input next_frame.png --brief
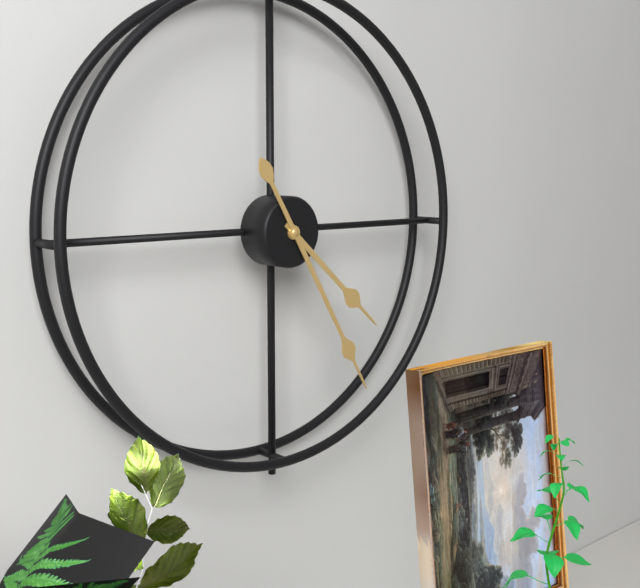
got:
**4:25**
